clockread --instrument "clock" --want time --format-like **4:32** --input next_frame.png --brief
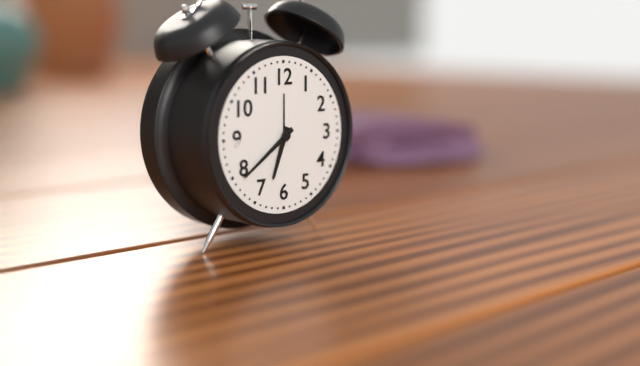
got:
**6:39**
